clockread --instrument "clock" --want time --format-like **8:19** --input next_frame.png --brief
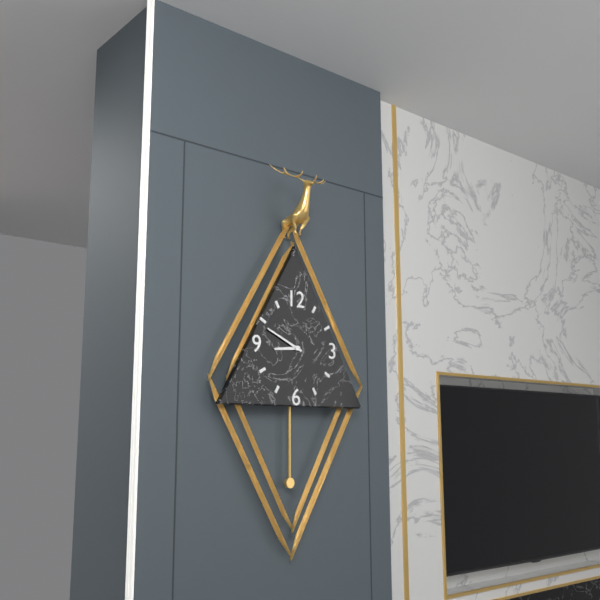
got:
**8:49**
